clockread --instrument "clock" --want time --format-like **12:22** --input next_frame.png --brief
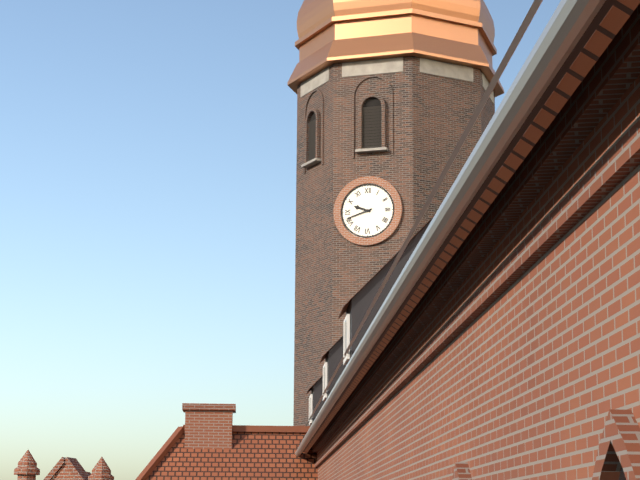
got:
**9:42**
